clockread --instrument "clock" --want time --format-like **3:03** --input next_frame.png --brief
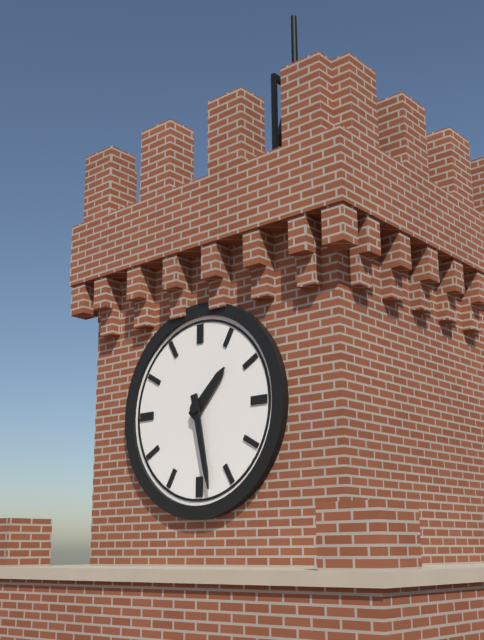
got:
**1:28**
